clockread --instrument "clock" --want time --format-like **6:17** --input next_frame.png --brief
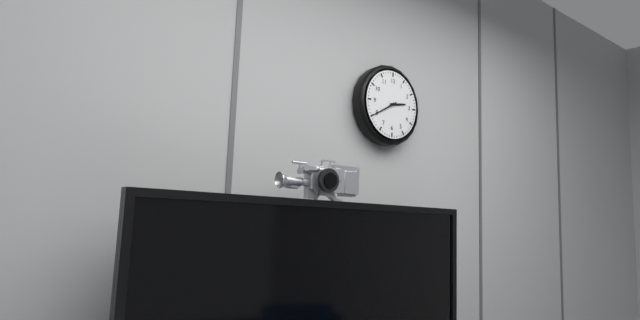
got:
**2:40**
